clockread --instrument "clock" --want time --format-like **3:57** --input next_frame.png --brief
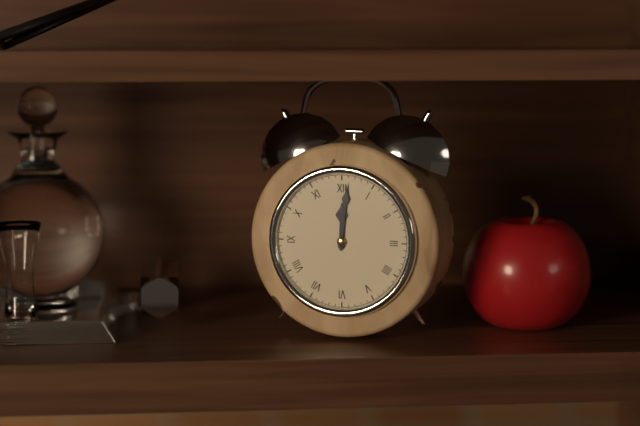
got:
**12:01**
